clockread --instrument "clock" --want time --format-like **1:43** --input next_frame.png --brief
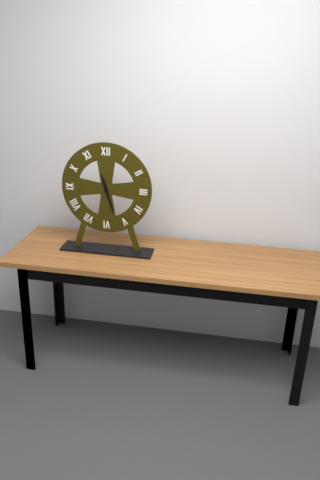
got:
**11:27**
